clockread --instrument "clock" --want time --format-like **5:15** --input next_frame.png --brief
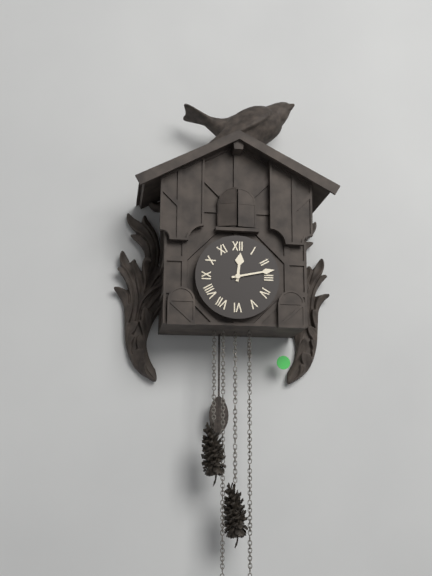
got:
**12:13**
